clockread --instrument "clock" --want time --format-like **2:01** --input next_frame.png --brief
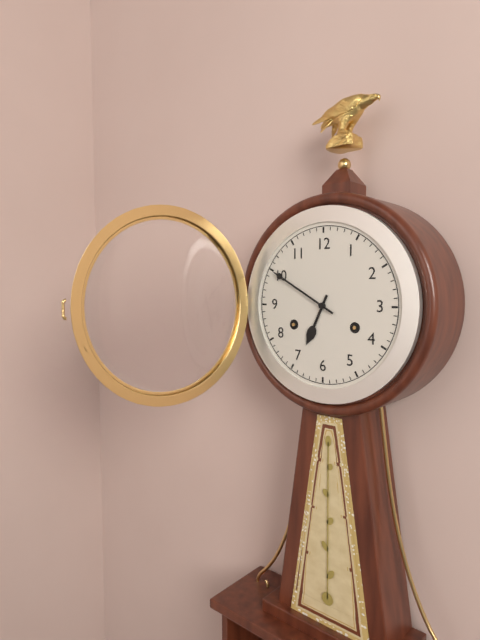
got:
**6:50**
